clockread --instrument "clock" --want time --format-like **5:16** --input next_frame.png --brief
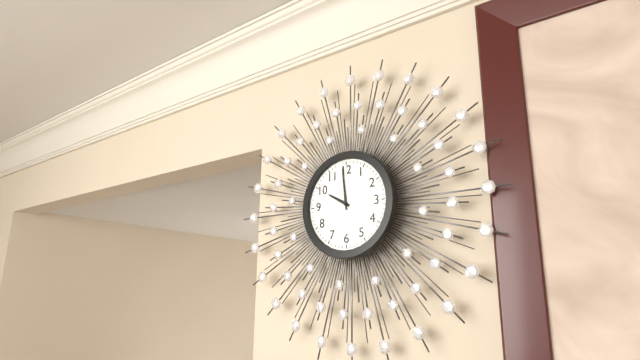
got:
**9:59**
